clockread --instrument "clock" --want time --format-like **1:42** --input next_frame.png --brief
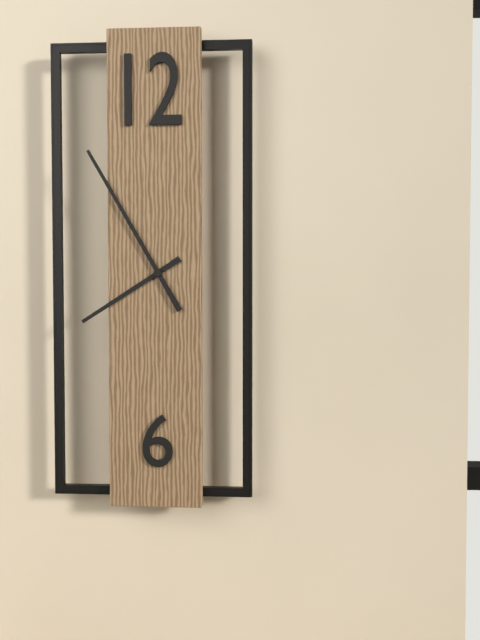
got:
**7:55**
